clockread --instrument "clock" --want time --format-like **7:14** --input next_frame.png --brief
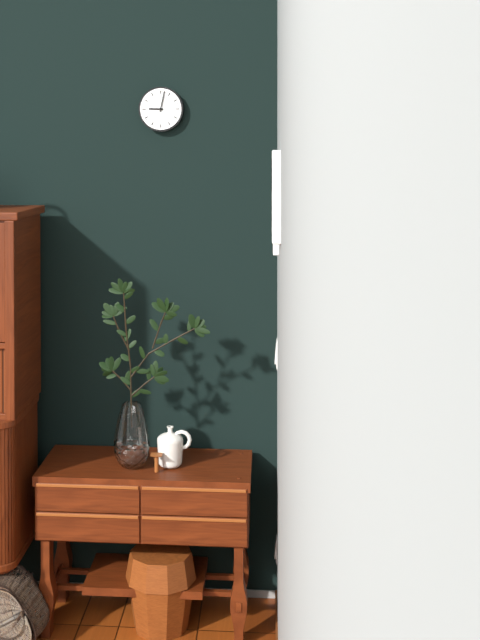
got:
**9:02**
